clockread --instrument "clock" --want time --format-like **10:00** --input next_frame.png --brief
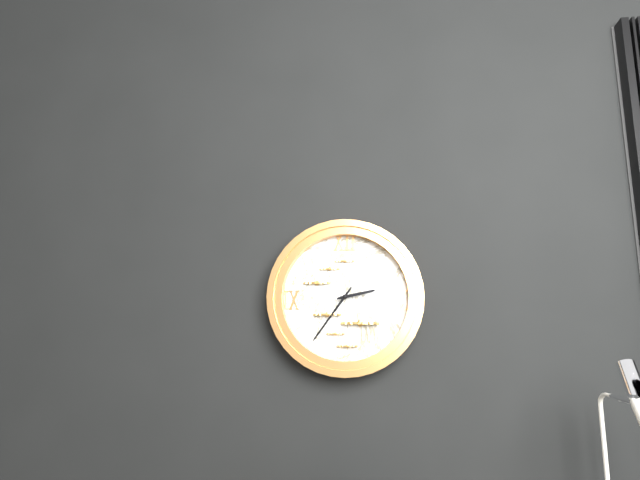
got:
**2:36**
